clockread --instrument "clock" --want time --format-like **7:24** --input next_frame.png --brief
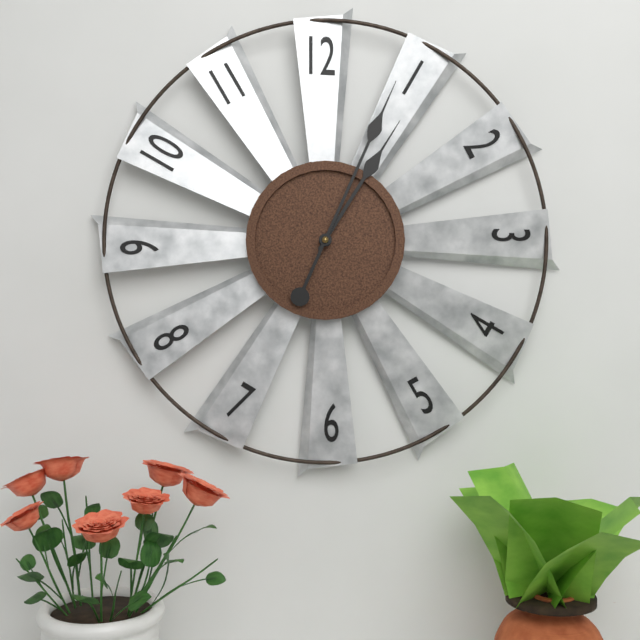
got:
**1:04**
